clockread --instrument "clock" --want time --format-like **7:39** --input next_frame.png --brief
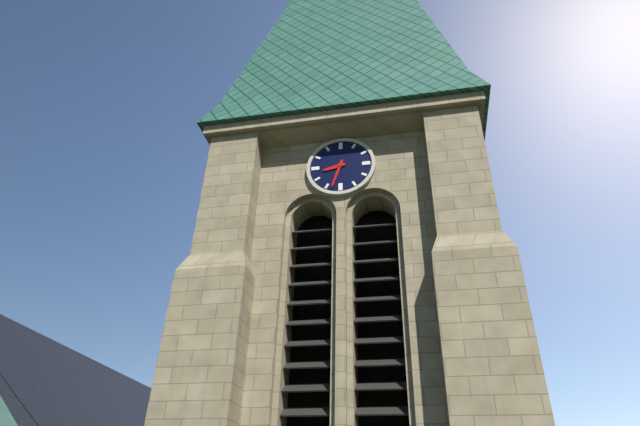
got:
**8:33**
